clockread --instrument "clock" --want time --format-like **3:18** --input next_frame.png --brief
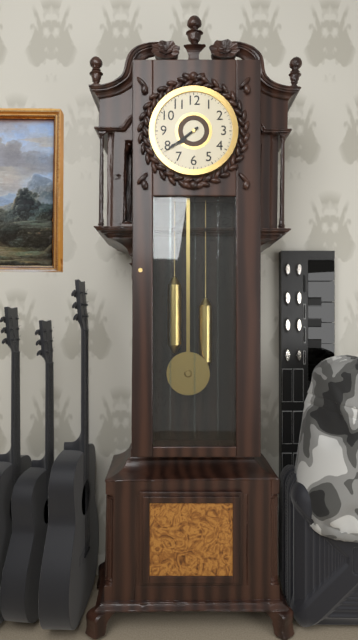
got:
**7:39**
